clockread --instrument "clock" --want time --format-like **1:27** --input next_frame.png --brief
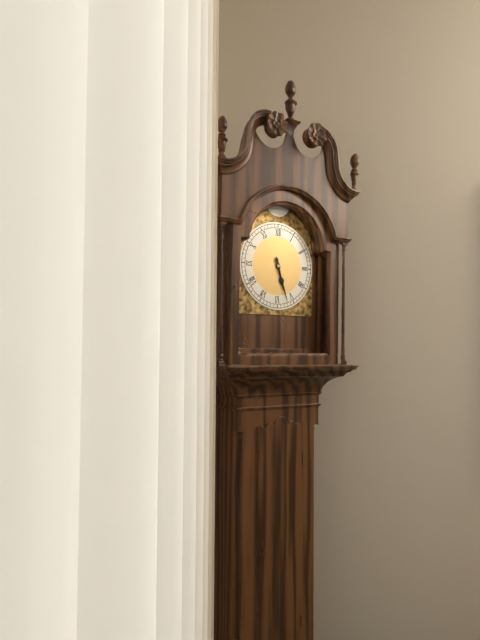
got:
**5:27**
